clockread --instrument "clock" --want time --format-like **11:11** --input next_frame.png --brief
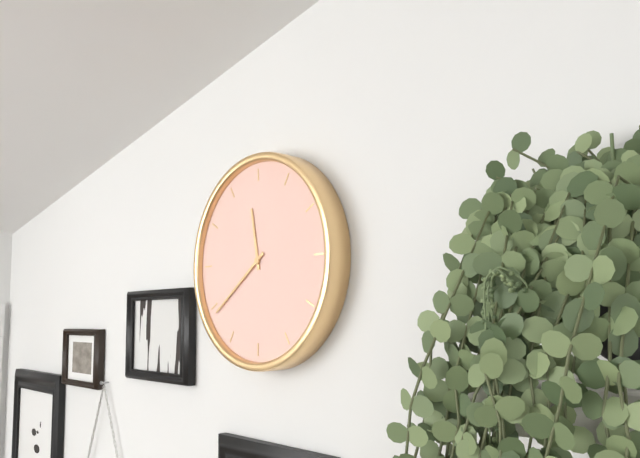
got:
**11:39**
